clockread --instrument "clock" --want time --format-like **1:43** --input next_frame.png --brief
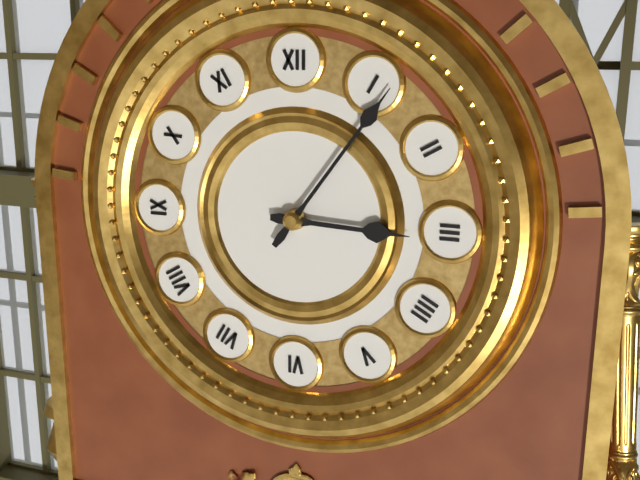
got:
**3:06**
